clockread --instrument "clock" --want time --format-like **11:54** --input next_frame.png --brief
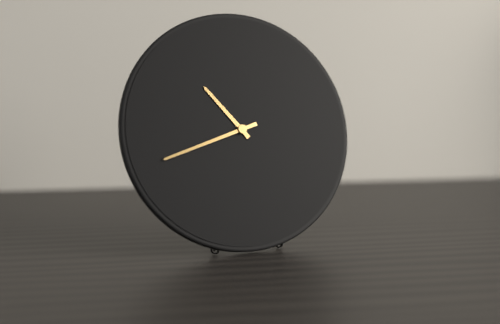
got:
**10:42**
